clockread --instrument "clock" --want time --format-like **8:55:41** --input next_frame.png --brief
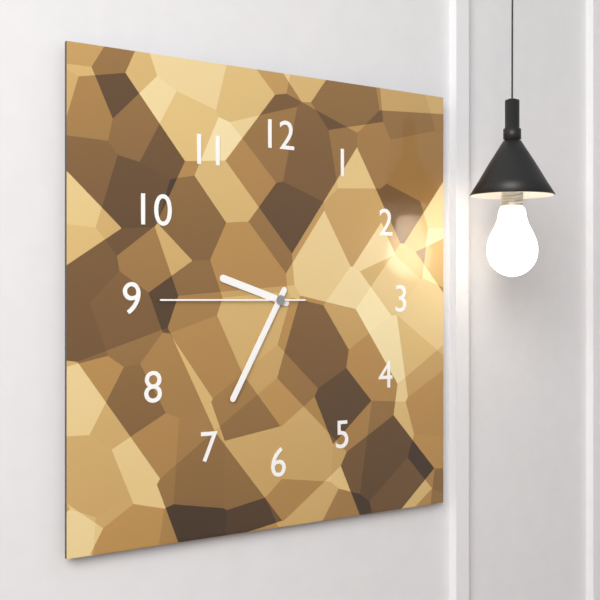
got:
**9:35:45**
